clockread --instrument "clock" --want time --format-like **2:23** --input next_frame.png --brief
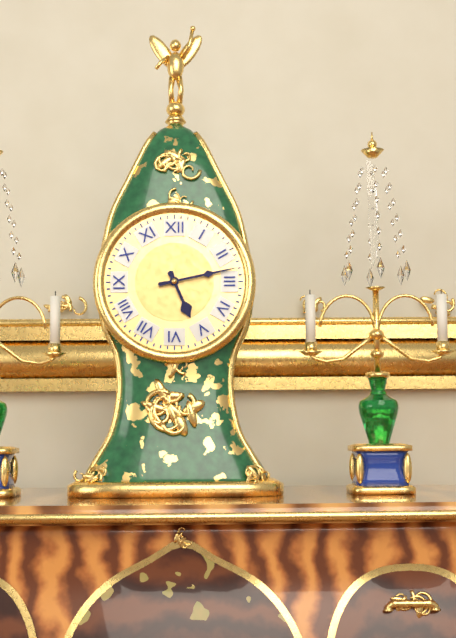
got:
**5:13**
